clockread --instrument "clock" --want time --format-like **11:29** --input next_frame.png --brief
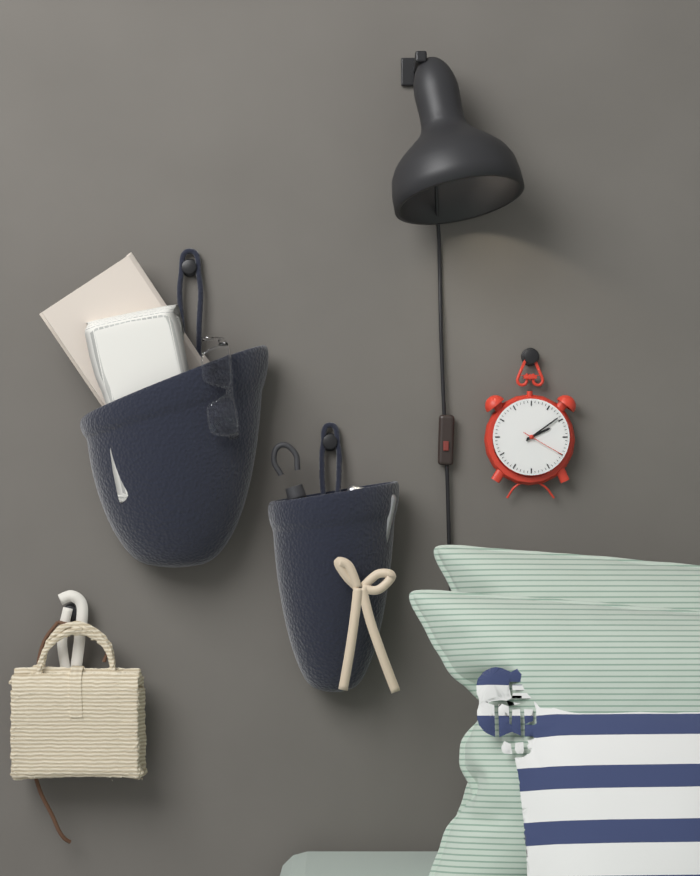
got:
**2:09**
